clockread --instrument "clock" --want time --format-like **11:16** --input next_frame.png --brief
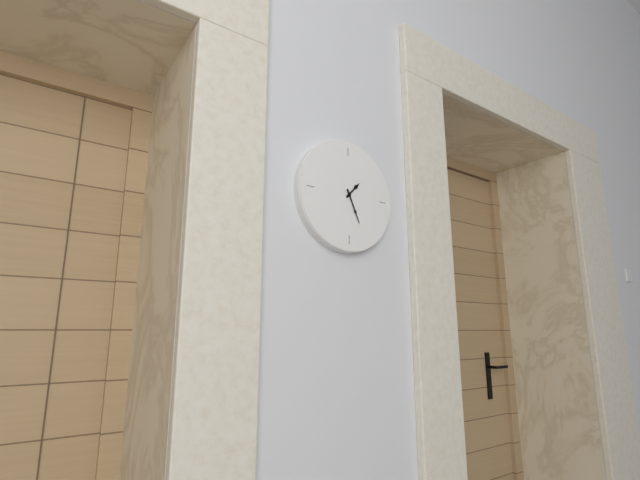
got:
**1:26**
